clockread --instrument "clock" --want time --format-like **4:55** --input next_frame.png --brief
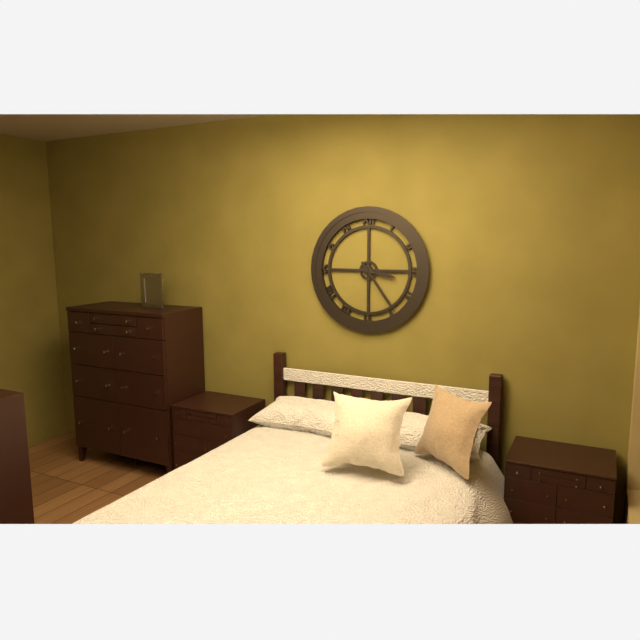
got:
**3:24**
